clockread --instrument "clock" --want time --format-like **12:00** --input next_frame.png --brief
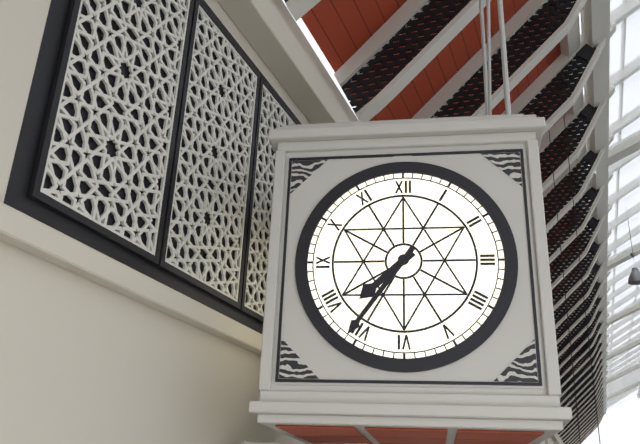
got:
**7:36**
